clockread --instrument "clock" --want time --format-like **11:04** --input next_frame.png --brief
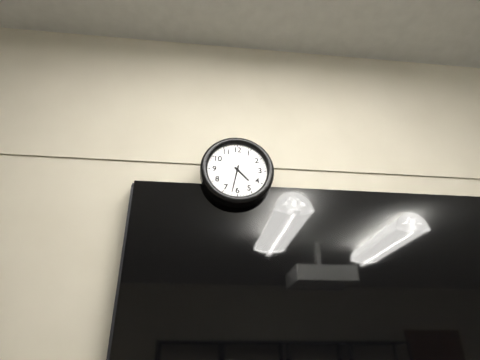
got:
**4:32**
